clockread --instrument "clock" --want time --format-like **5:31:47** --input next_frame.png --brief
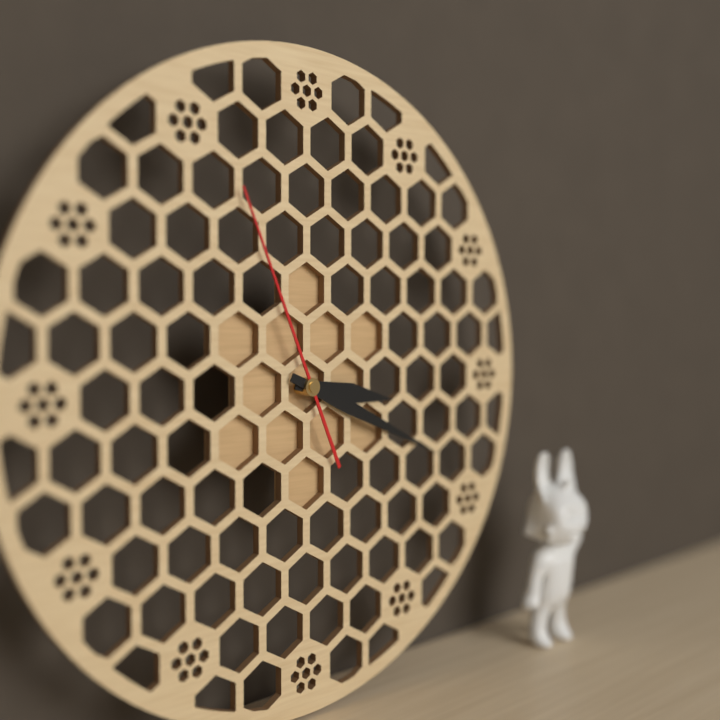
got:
**3:19:56**
